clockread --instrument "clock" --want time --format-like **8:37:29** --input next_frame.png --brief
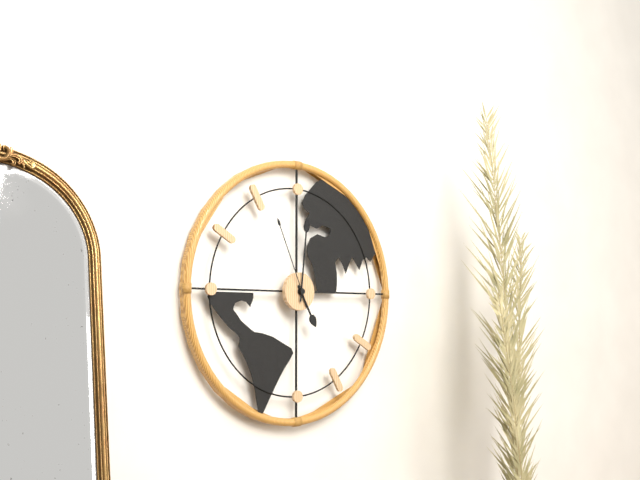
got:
**5:01:56**
